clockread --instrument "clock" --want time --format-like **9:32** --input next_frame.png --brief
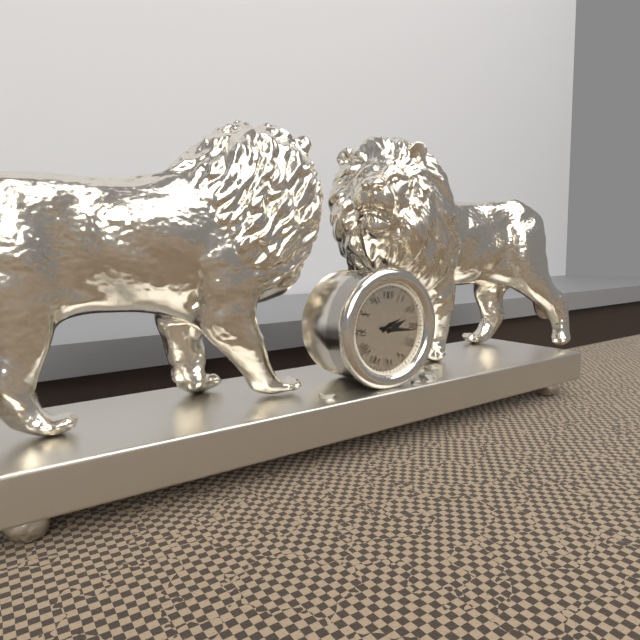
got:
**2:16**
